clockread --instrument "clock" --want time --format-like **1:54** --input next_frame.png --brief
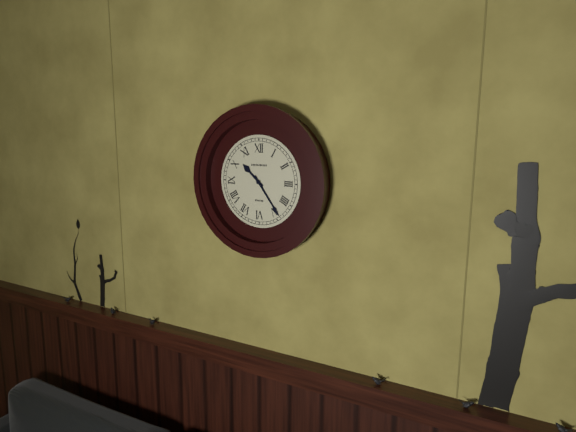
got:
**10:24**
